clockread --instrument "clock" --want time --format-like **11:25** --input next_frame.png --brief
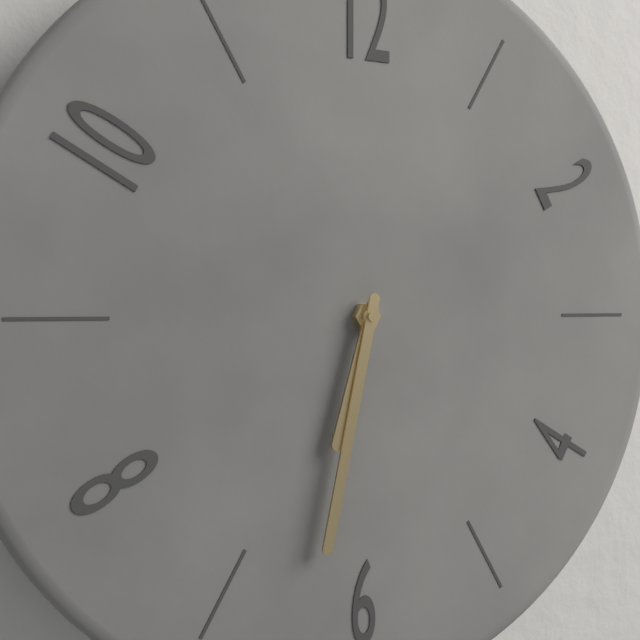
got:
**6:32**
